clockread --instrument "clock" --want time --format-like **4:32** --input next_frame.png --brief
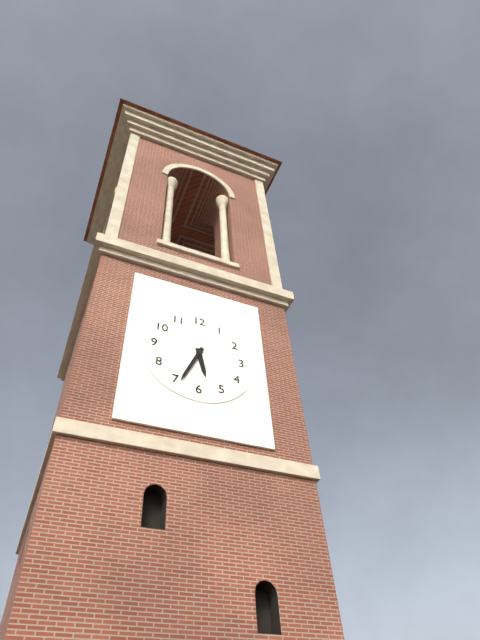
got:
**5:34**
